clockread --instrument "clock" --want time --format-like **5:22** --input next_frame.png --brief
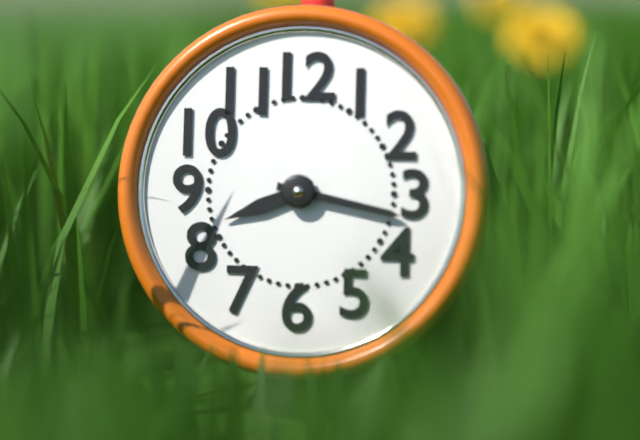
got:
**8:17**
